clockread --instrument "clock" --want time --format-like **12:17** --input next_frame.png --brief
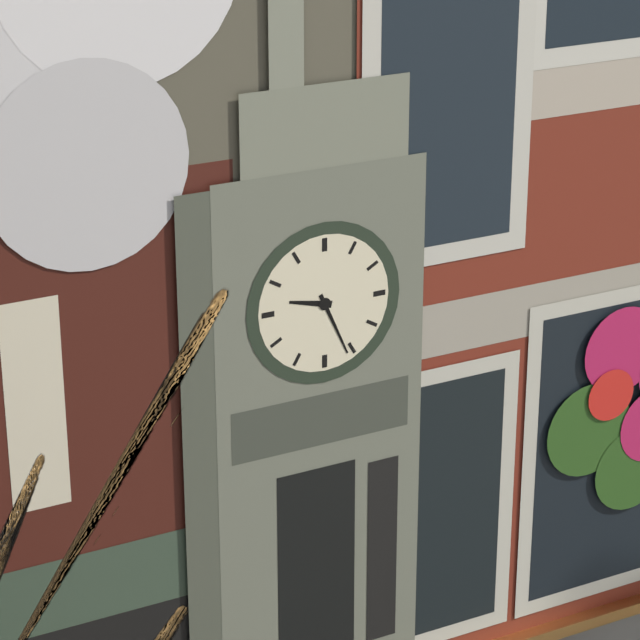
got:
**9:26**
